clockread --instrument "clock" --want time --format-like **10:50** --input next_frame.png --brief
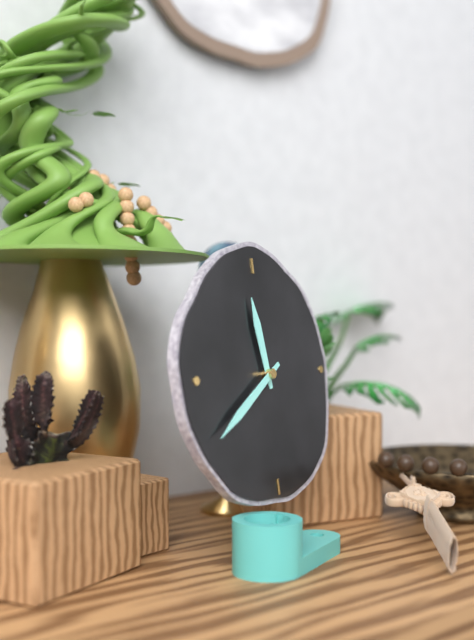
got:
**11:40**
